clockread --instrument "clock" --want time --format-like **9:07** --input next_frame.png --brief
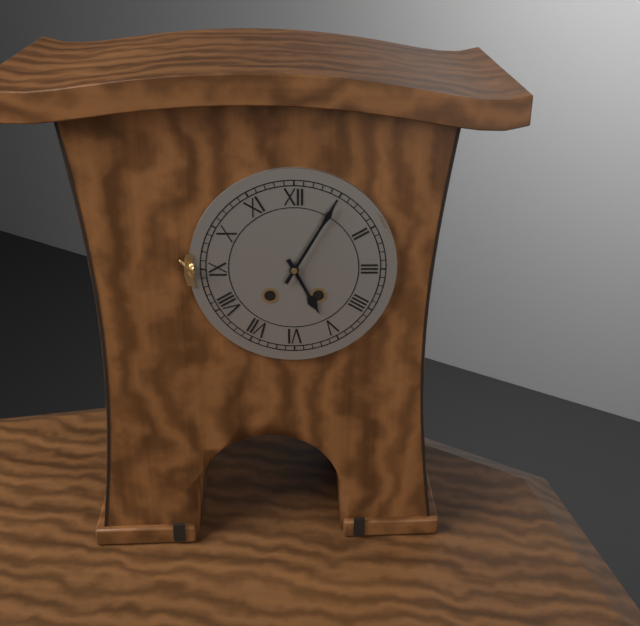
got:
**5:05**
